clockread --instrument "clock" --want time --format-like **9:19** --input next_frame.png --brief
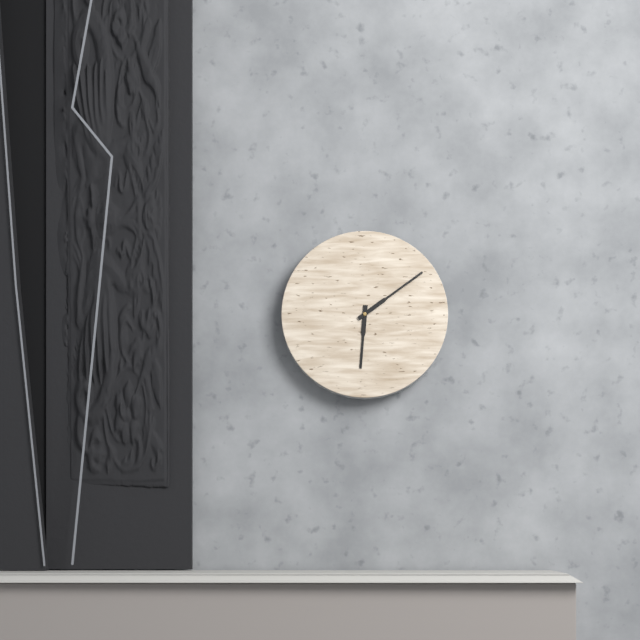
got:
**6:09**
